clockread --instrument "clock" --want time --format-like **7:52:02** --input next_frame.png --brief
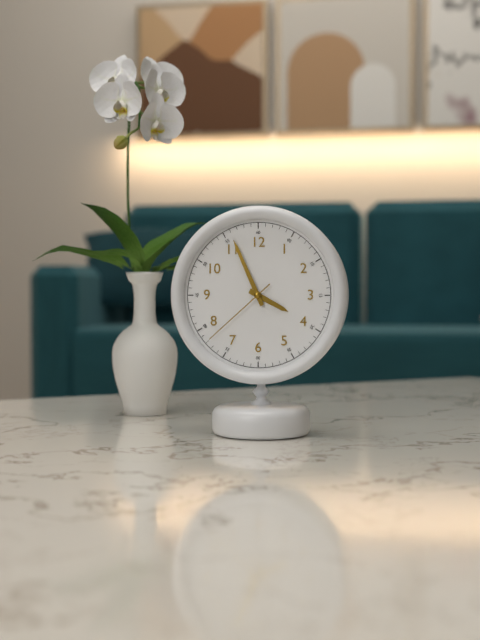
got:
**3:56:38**
